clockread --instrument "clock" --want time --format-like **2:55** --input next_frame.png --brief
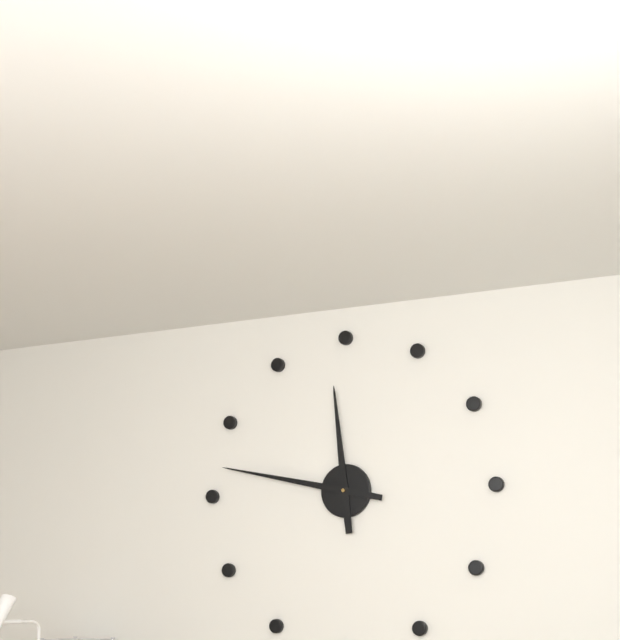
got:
**11:47**
